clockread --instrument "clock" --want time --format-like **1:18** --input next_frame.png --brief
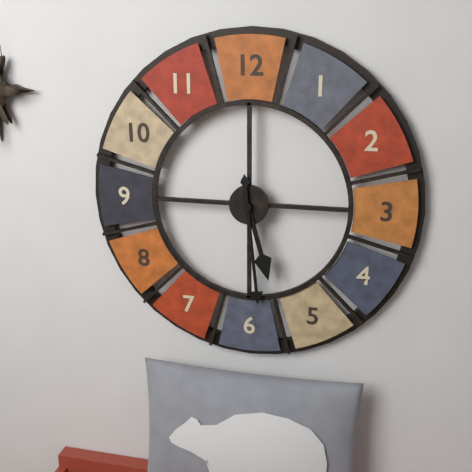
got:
**5:29**
